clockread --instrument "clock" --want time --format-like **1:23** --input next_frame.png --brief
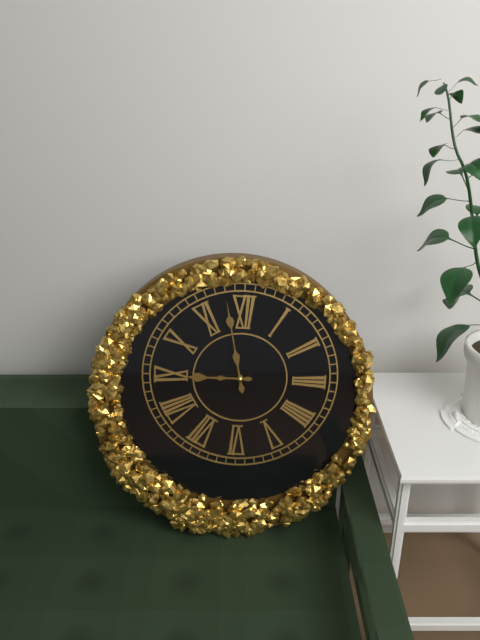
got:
**8:58**
